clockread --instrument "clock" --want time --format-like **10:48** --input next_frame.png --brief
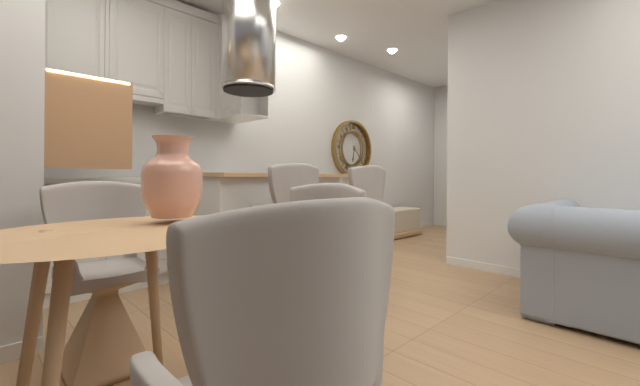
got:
**6:23**
